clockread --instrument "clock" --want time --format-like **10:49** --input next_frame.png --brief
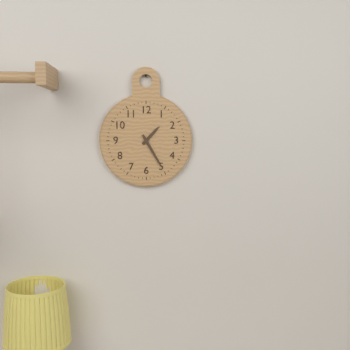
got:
**1:25**
